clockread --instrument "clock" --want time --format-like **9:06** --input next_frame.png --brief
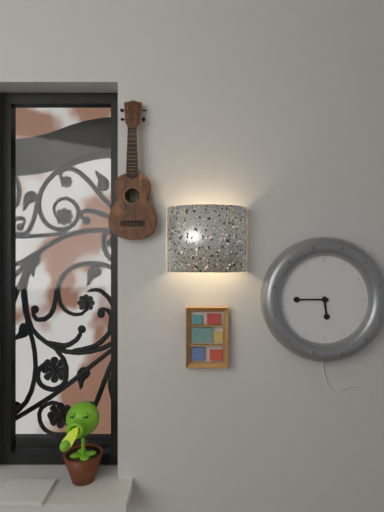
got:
**5:45**
